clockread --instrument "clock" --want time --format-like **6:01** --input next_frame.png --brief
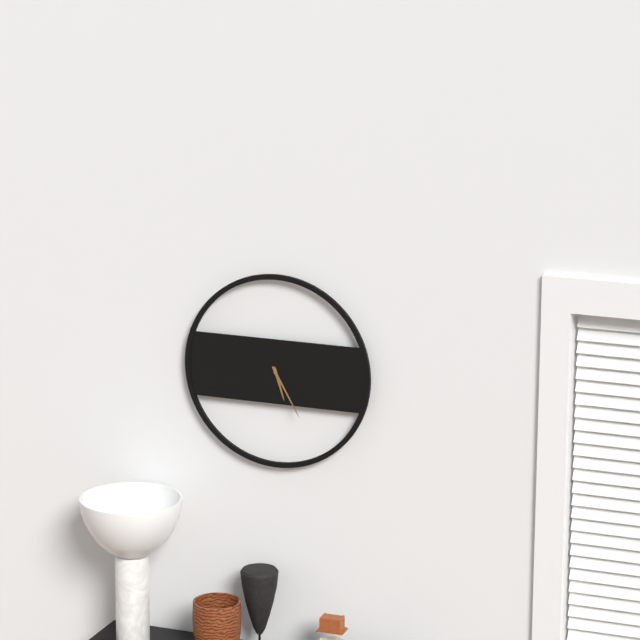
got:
**5:25**
